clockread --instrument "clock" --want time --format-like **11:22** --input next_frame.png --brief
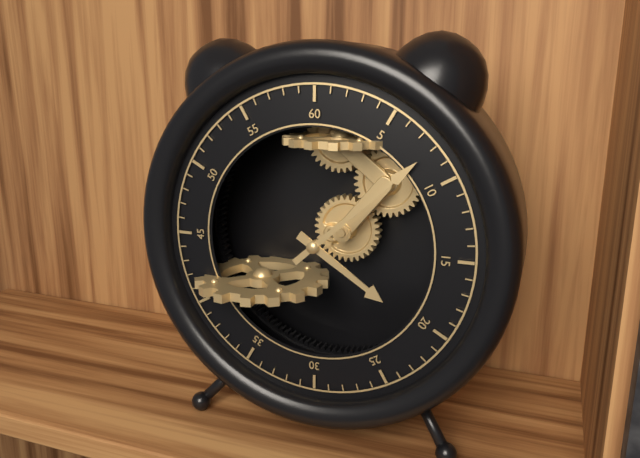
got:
**4:08**
